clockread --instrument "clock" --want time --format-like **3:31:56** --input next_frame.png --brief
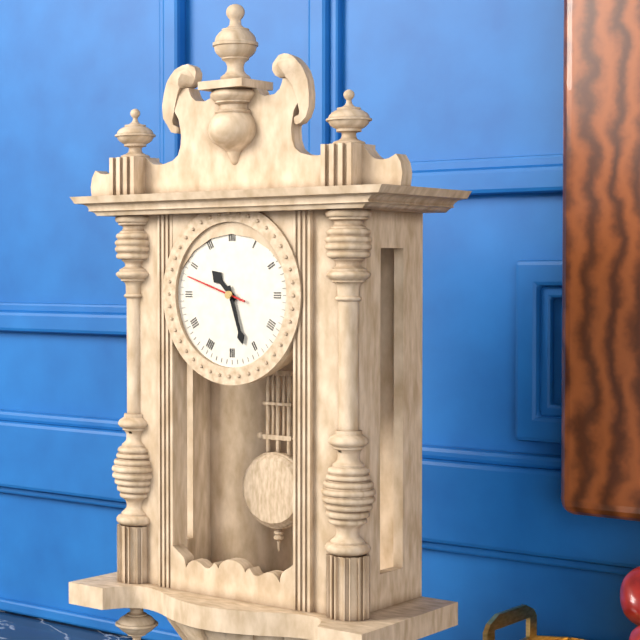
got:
**10:27:48**
